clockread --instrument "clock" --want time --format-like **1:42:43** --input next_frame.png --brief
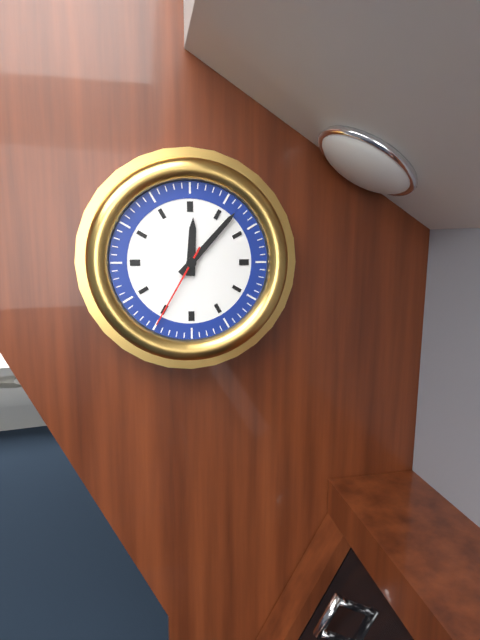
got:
**12:07:35**
